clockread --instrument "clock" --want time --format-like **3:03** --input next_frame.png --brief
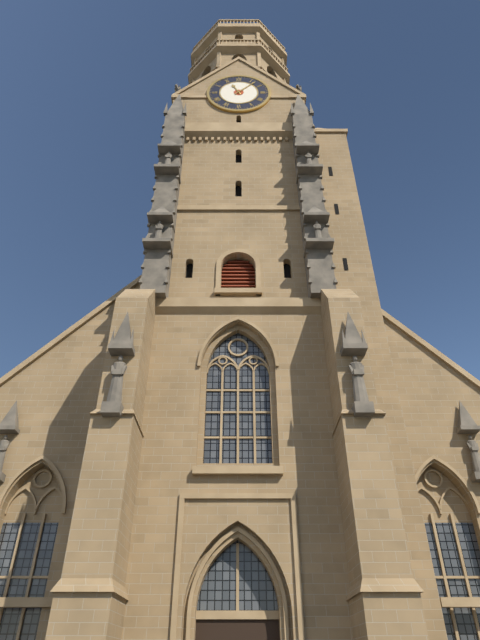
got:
**11:07**
